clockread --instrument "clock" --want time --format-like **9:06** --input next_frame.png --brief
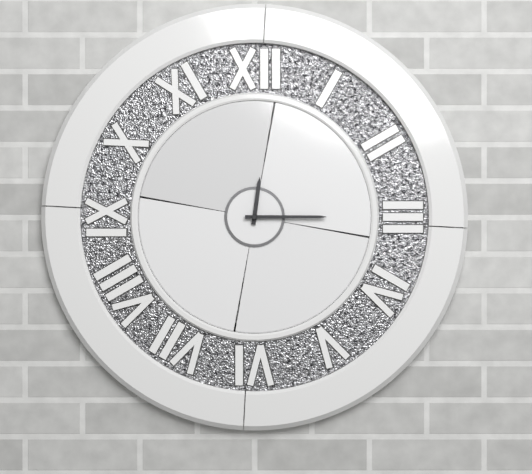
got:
**12:15**
